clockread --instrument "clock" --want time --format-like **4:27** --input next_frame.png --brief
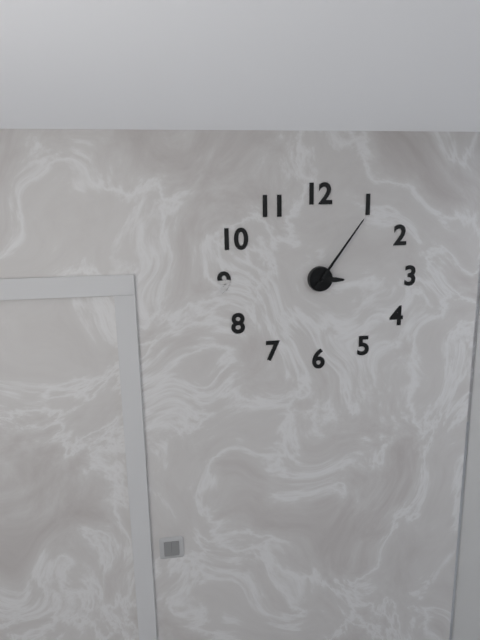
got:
**3:06**
